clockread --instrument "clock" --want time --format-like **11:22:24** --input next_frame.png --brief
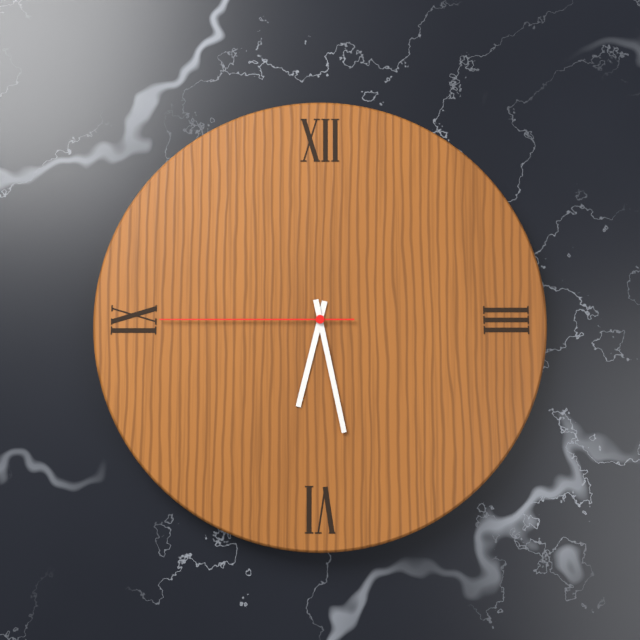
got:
**6:28:45**
